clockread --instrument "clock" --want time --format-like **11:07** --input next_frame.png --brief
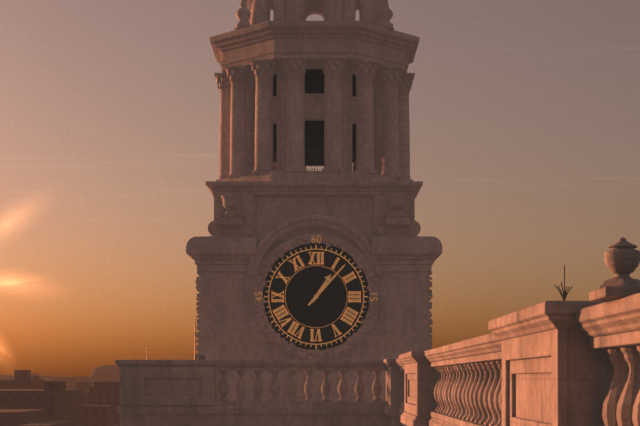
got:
**1:07**
